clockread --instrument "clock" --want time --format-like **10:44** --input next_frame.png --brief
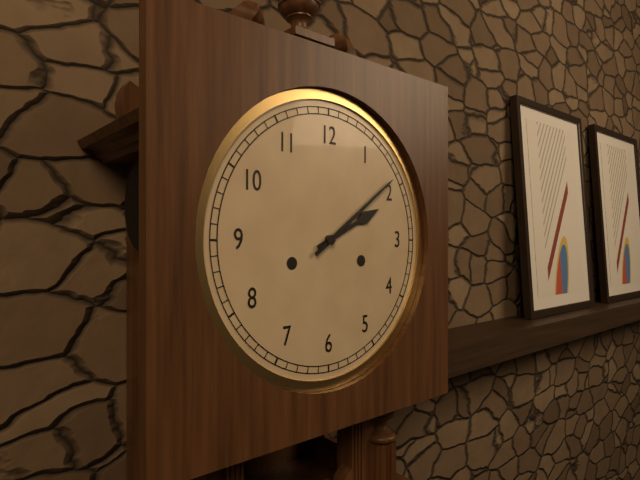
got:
**2:09**
